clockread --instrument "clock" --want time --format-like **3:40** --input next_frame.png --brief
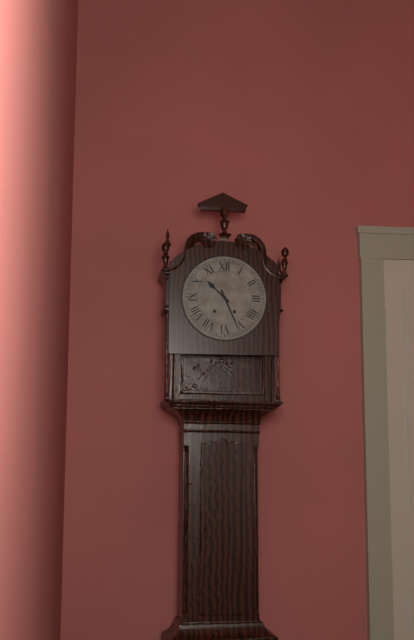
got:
**10:26**
